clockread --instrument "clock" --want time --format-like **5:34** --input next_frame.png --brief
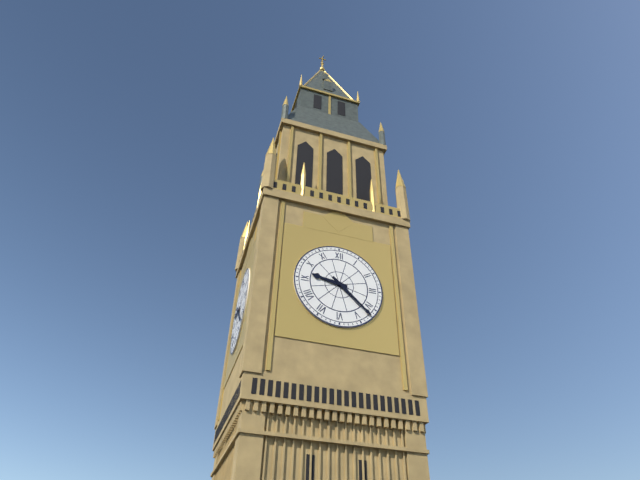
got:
**9:22**
